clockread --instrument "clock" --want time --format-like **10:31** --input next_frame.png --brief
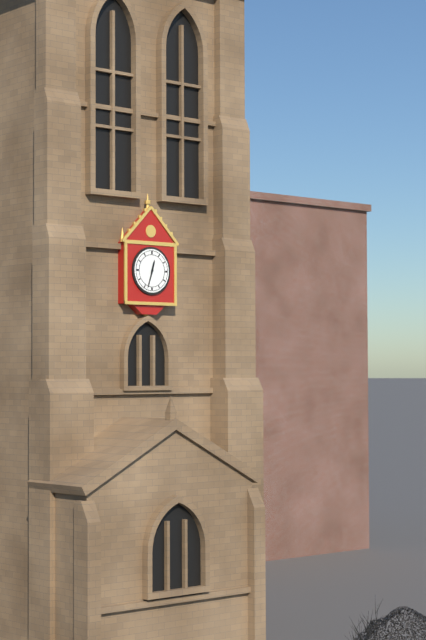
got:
**12:33**
